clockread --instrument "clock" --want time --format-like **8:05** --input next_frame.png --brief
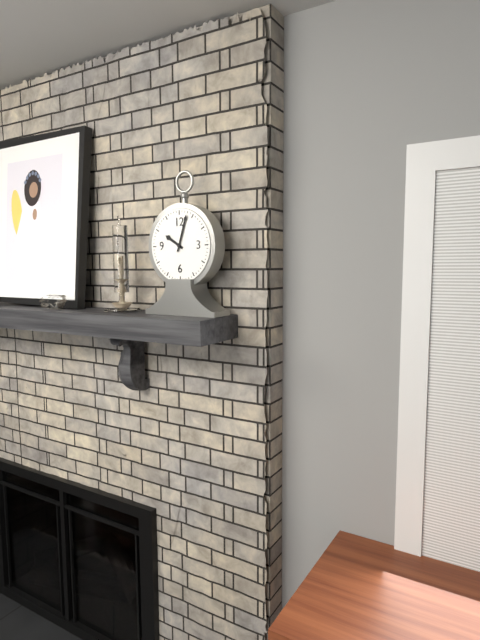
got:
**10:03**
